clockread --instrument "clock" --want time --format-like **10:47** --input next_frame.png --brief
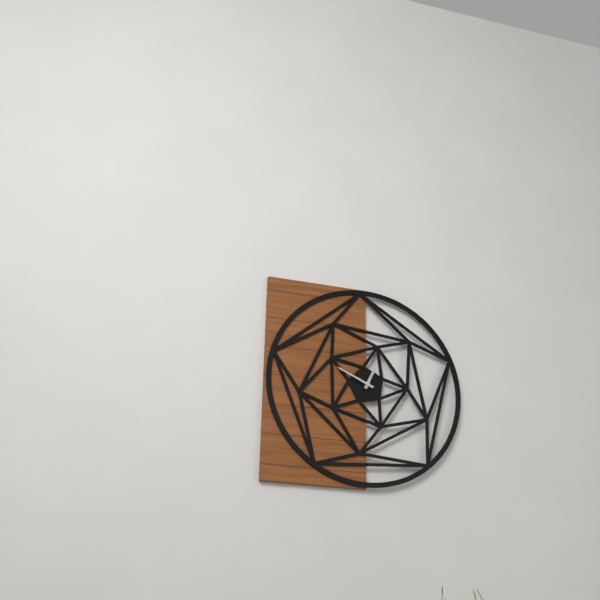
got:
**12:49**
